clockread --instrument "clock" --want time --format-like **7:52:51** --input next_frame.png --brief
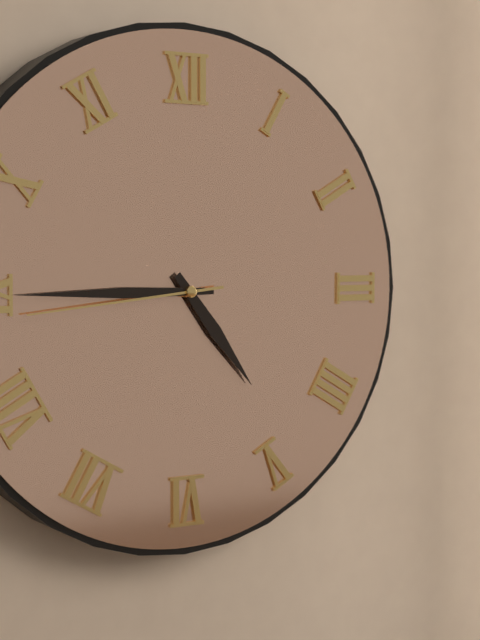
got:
**4:45:44**
